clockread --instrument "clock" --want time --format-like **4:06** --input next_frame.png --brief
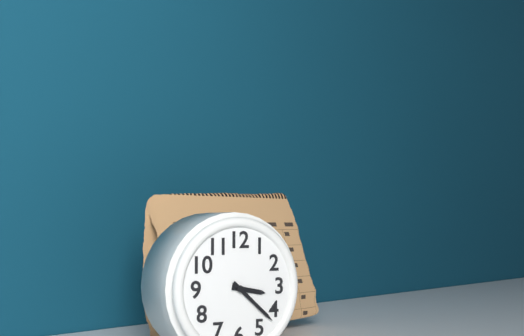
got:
**3:22**
